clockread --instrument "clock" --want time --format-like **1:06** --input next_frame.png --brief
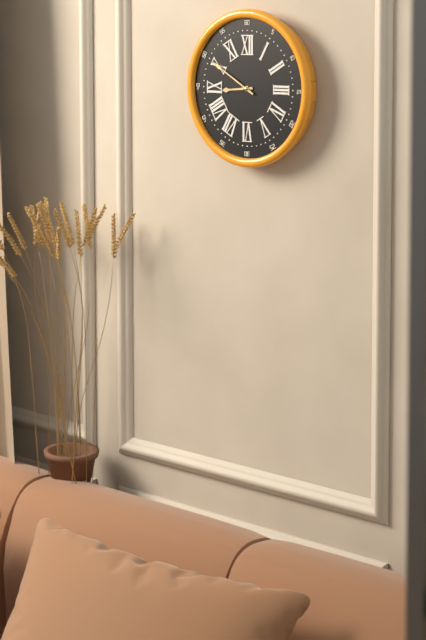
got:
**8:50**
